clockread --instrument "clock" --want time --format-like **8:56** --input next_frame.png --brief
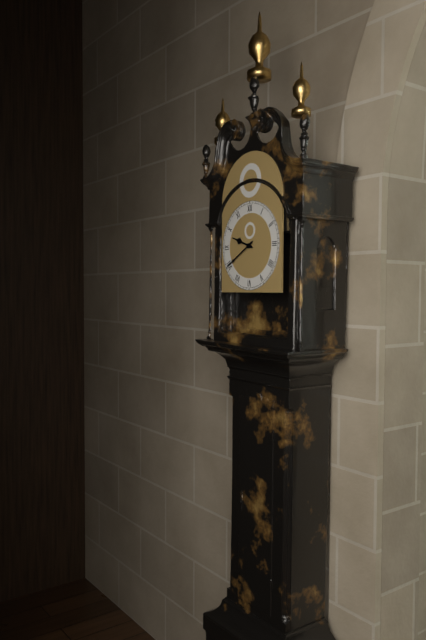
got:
**9:40**
